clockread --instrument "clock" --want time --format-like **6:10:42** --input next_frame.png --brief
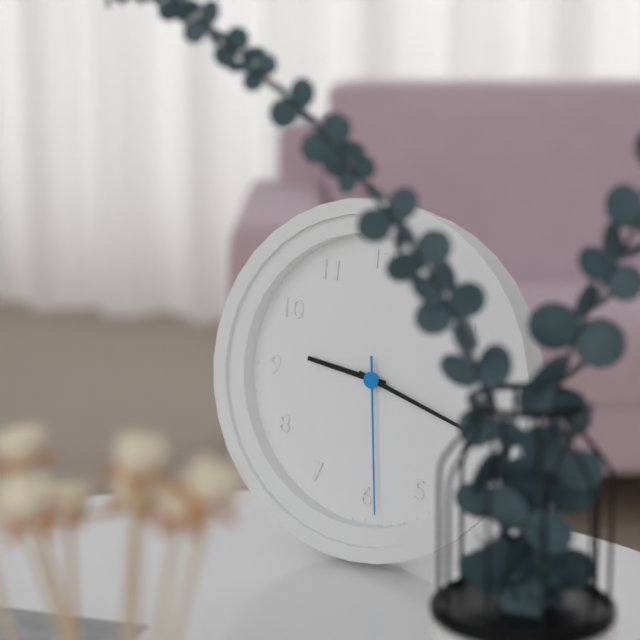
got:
**9:18:29**
